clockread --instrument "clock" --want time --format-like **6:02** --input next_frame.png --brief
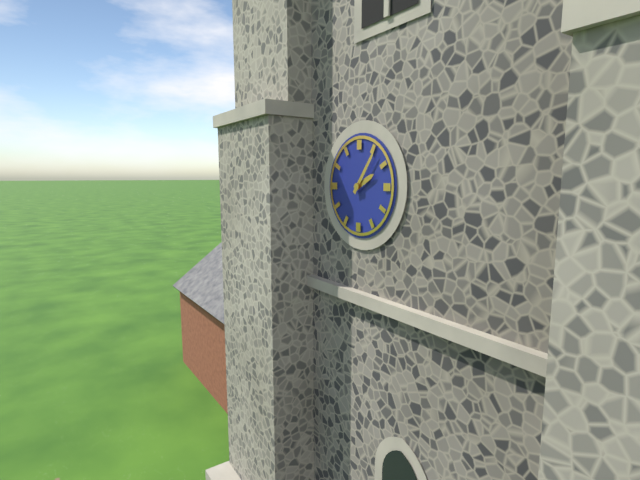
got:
**2:06**
